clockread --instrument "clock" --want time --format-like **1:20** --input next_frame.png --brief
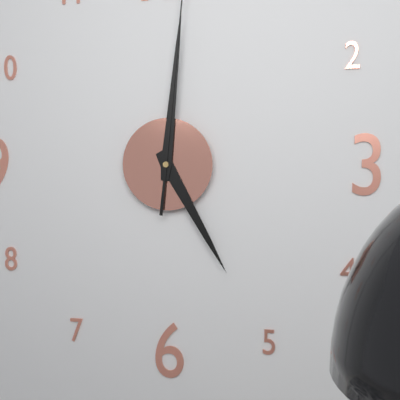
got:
**5:01**
